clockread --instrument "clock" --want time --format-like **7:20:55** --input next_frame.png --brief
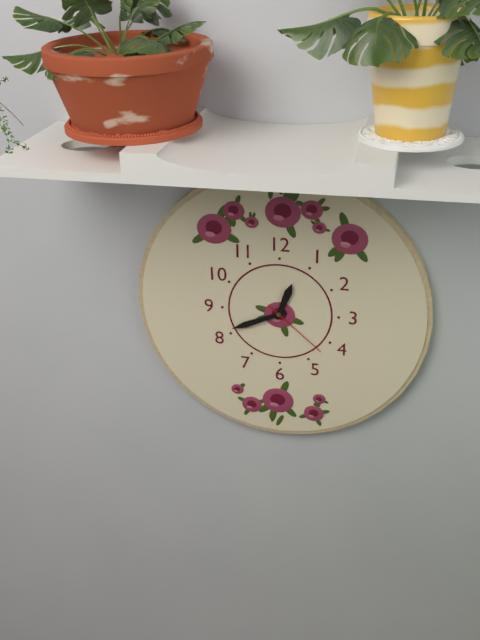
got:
**12:41:22**
